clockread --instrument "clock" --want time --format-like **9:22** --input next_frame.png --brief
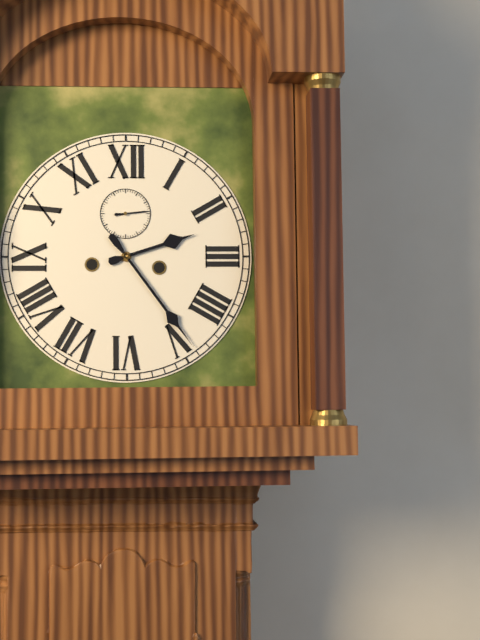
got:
**2:24**
